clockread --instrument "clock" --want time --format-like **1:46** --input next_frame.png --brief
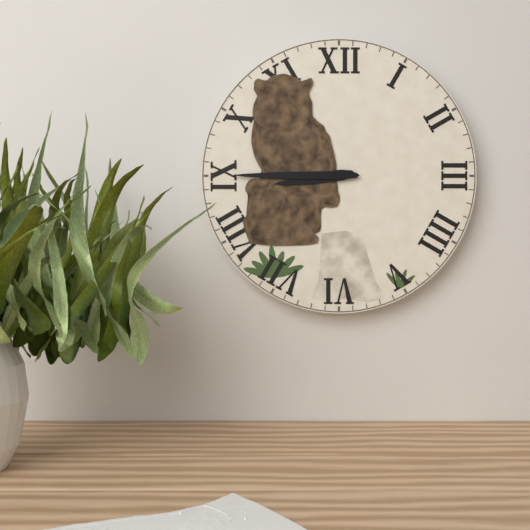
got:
**8:45**
